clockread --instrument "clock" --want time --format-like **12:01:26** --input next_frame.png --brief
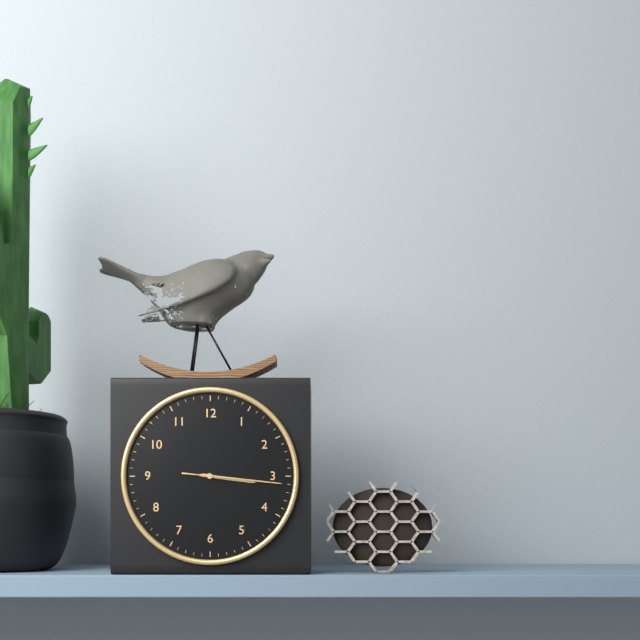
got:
**3:16:16**
